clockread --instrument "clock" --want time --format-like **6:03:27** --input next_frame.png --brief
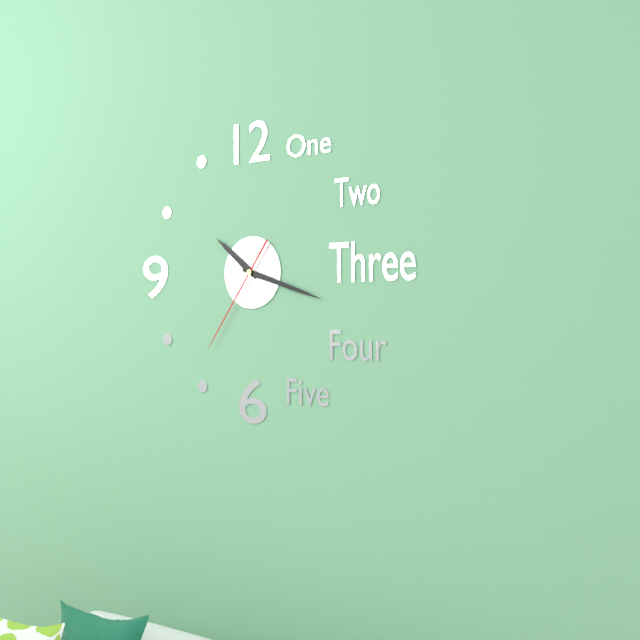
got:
**10:18:36**
